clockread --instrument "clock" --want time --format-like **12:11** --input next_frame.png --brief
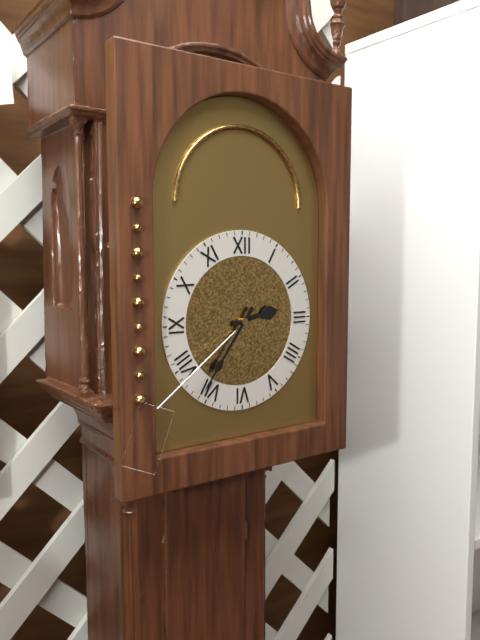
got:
**2:36**
